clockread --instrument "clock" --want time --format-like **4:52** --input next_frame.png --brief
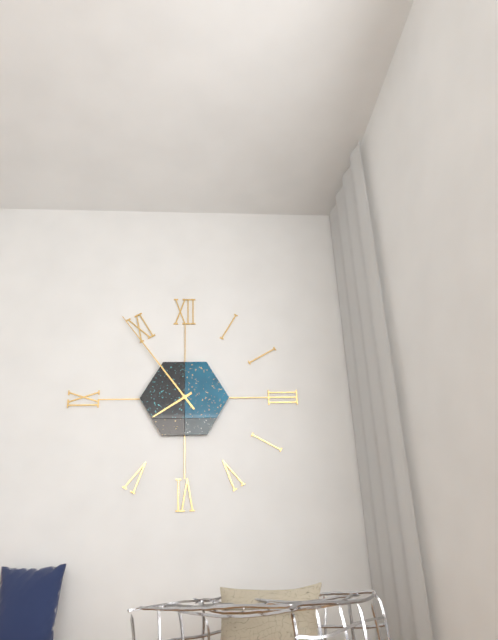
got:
**7:54**
